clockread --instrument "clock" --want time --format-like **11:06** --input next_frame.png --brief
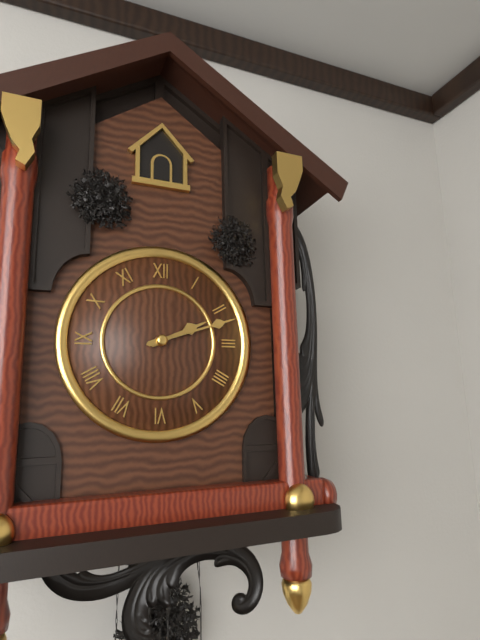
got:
**2:12**
